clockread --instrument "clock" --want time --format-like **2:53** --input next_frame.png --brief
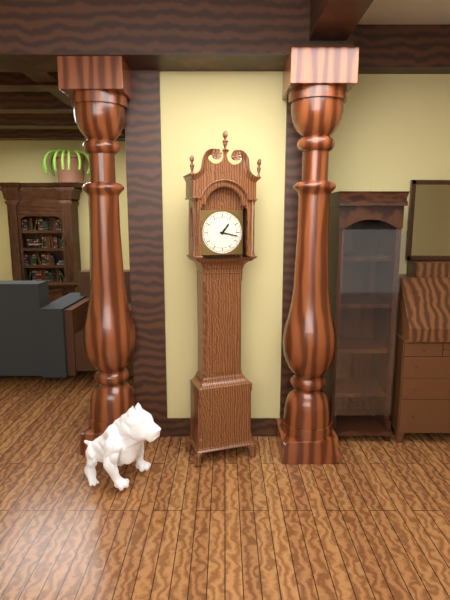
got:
**1:17**
